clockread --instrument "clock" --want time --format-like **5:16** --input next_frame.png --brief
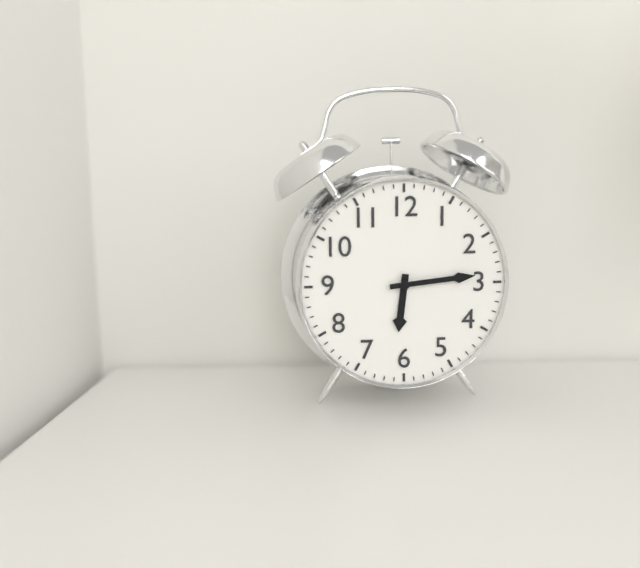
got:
**6:14**
